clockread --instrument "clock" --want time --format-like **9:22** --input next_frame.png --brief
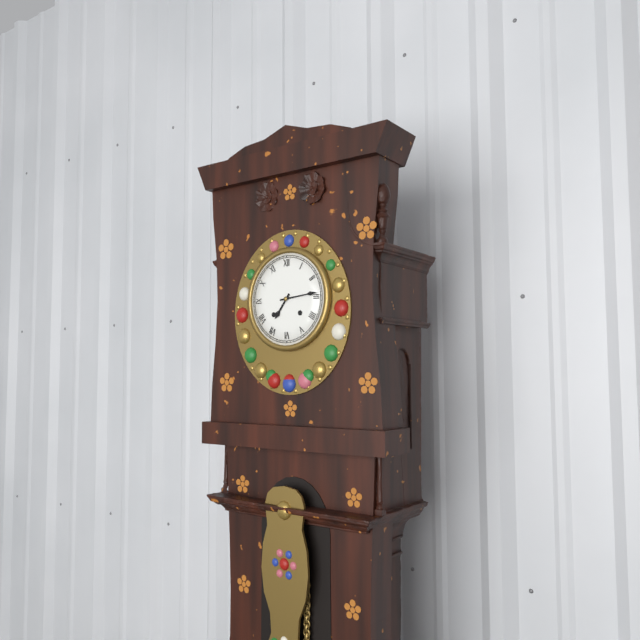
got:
**7:14**
